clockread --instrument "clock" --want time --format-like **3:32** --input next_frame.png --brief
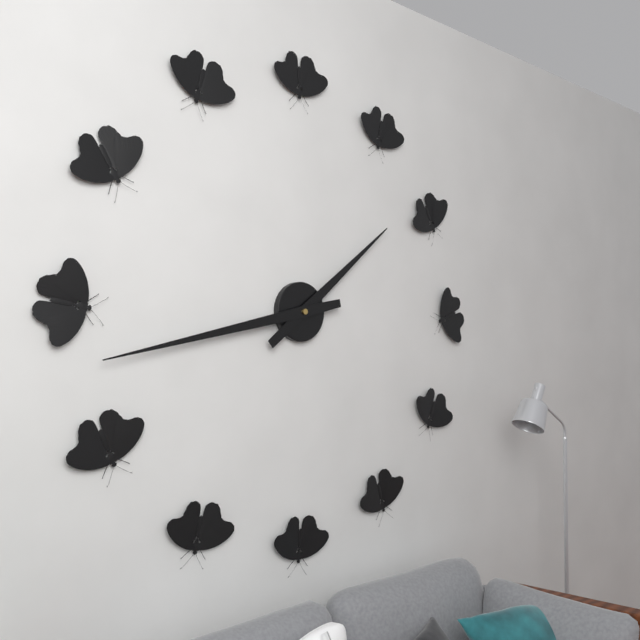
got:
**1:43**
